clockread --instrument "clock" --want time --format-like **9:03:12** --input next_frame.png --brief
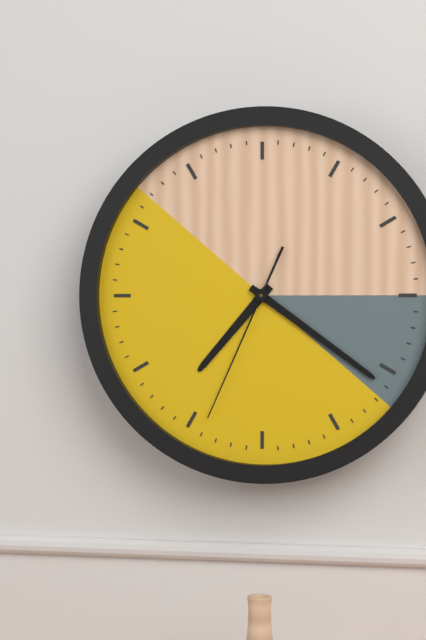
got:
**7:21:34**
